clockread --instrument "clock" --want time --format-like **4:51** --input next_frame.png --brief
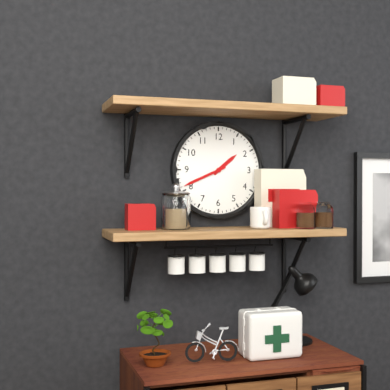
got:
**1:41**
